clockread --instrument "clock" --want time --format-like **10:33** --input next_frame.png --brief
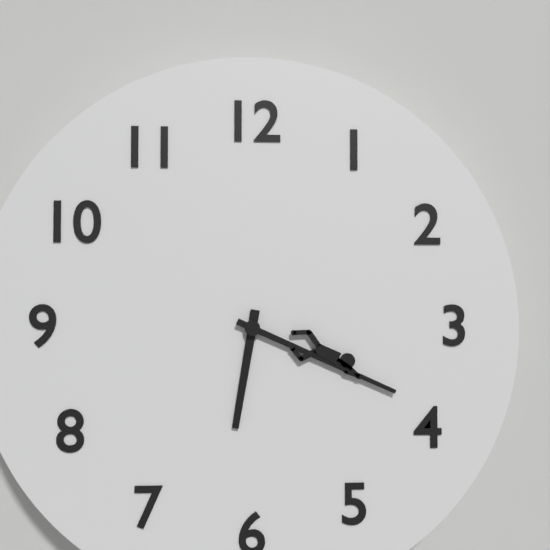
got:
**6:19**
